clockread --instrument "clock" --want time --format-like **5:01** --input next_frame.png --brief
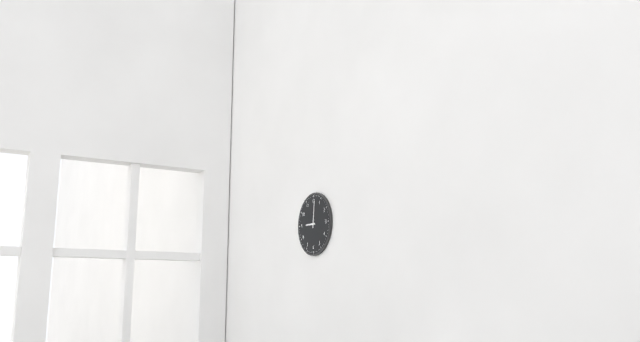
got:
**9:01**
